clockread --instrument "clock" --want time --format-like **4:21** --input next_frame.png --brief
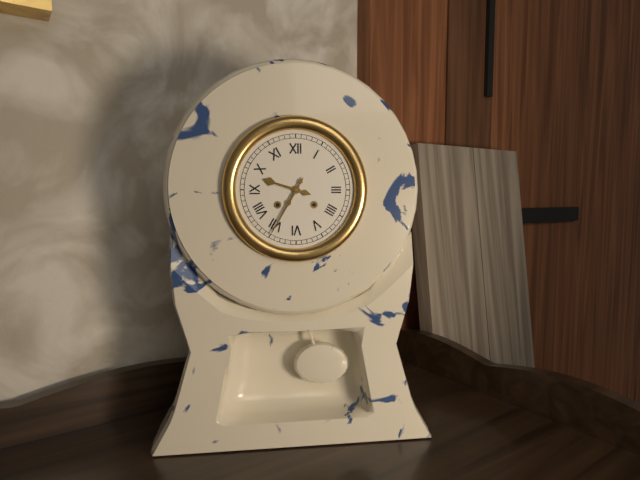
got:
**9:35**
